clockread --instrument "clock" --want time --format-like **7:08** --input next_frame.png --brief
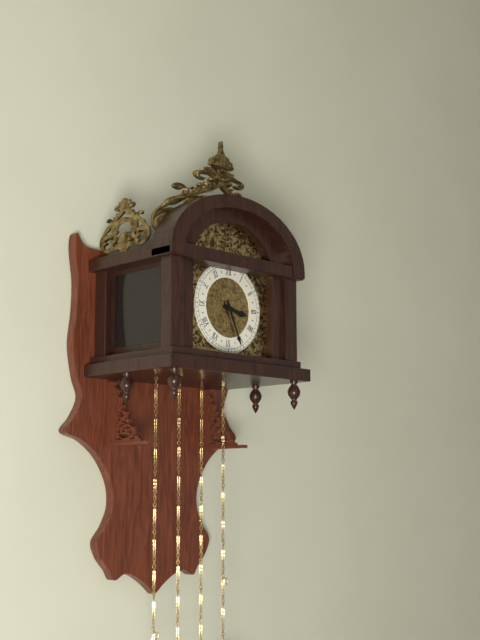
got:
**3:26**
